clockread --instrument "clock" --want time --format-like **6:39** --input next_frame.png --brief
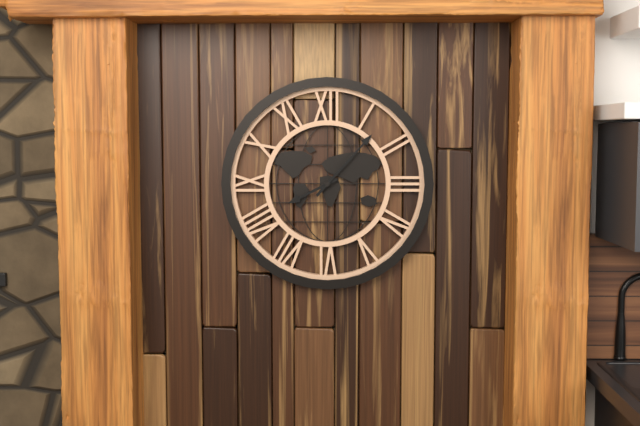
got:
**8:07**
